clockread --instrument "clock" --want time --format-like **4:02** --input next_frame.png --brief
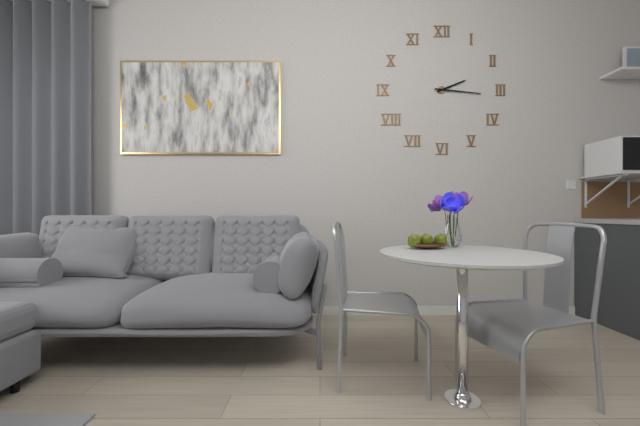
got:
**2:16**
